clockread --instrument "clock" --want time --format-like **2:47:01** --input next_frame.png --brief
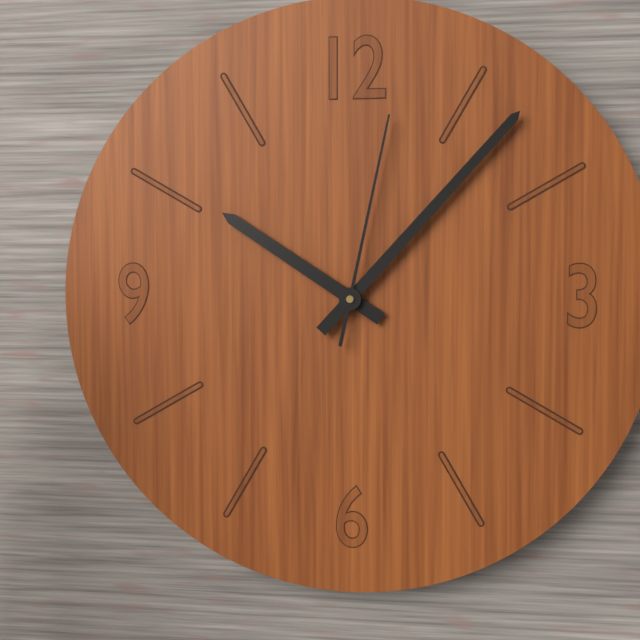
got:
**10:07:02**
